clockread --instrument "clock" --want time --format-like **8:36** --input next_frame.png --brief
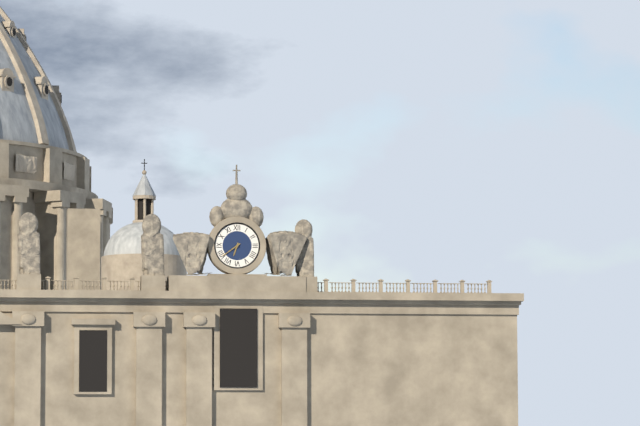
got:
**6:39**
